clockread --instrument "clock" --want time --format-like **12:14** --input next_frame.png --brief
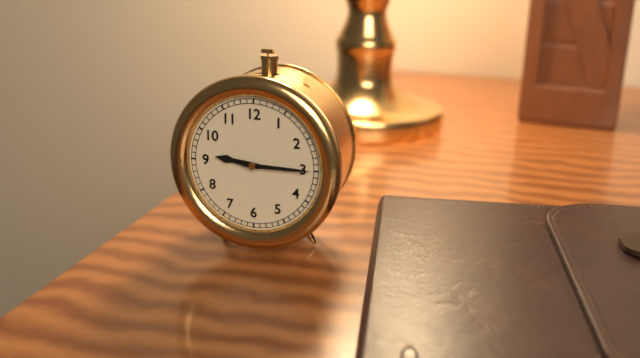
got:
**9:15**
